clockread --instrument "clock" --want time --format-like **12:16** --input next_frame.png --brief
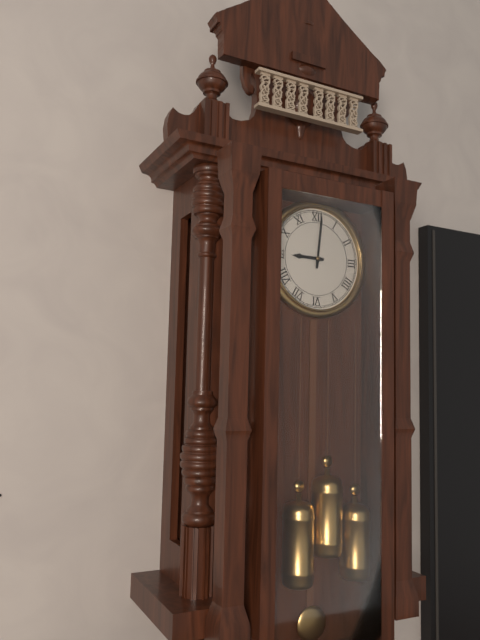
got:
**9:01**
